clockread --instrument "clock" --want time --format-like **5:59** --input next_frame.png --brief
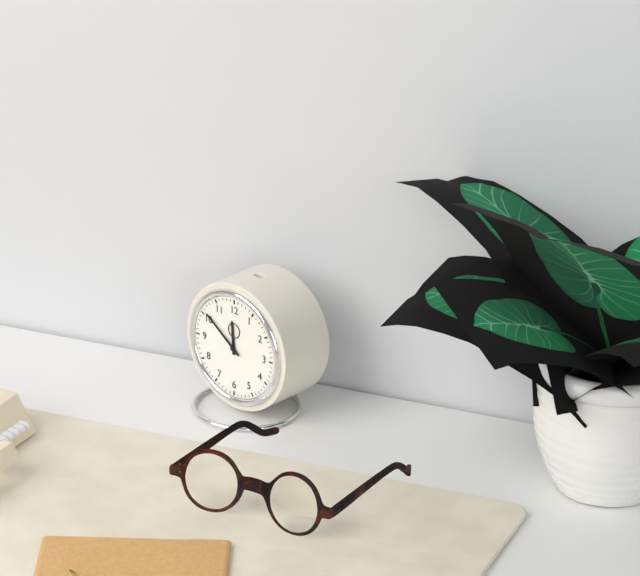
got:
**11:51**
